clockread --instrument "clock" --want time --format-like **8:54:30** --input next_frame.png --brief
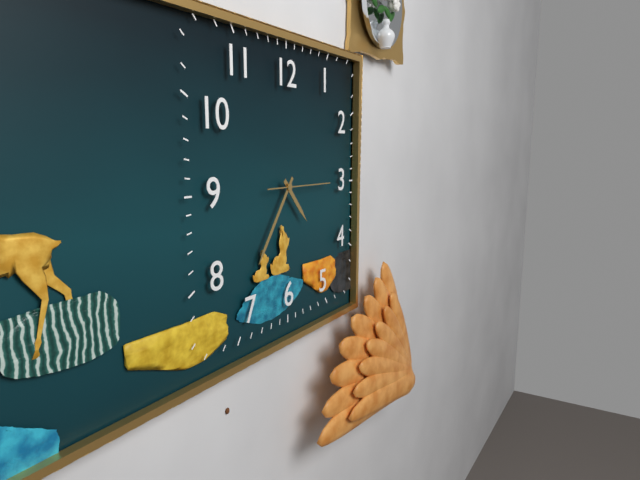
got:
**4:36:15**
